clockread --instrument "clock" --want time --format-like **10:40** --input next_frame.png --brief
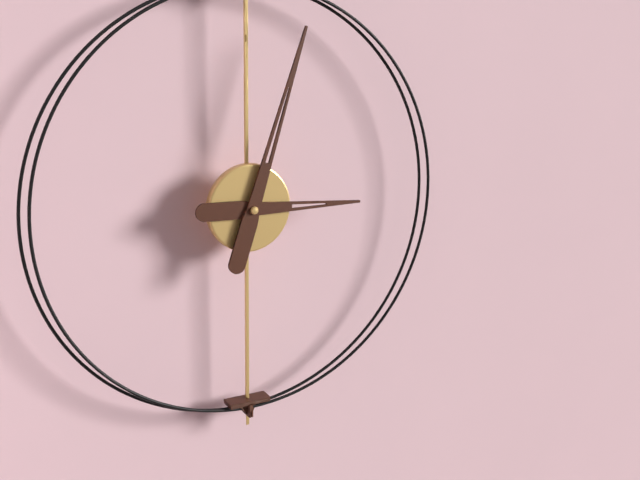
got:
**3:03**
